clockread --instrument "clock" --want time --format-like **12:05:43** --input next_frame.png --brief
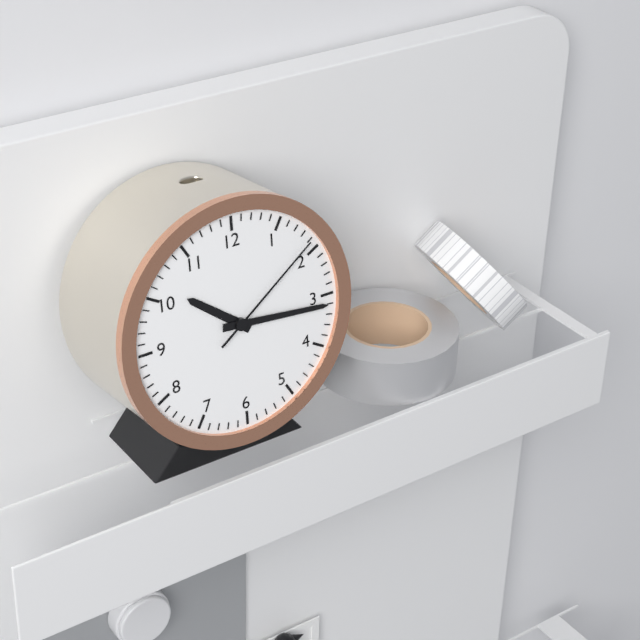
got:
**10:16:09**
